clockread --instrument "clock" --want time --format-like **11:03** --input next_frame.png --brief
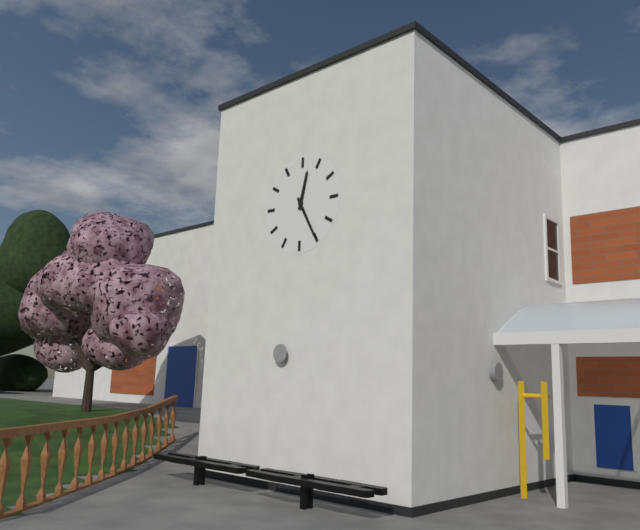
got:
**12:25**
